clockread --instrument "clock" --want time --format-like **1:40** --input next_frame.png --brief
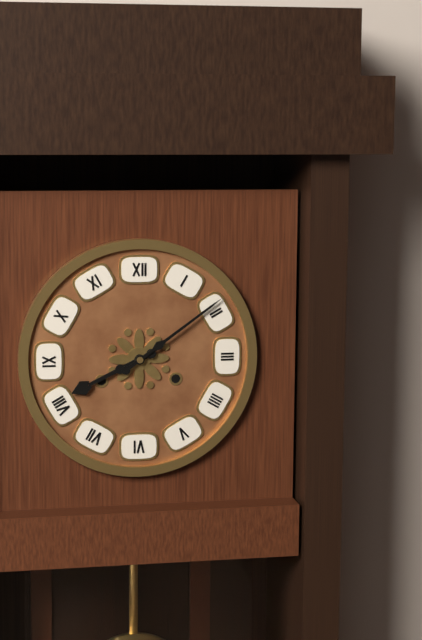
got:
**8:09**
